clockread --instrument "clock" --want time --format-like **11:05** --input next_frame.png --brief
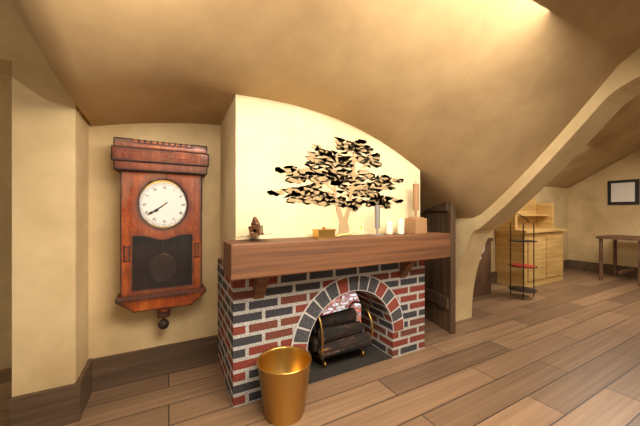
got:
**7:39**
